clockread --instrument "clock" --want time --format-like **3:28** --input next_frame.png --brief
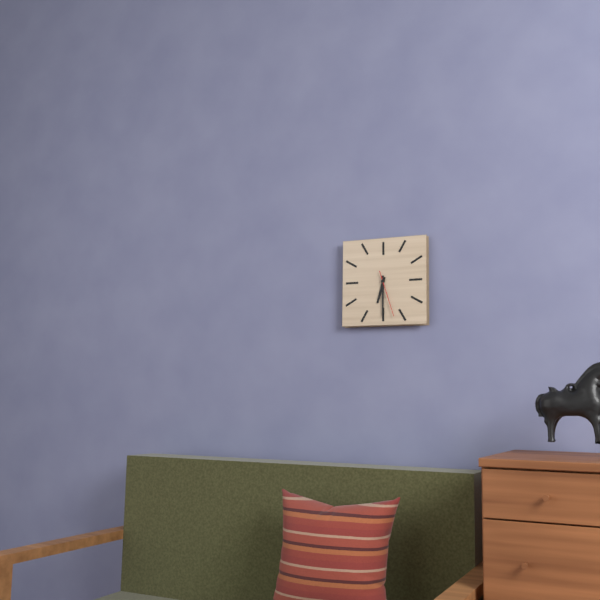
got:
**6:30**
